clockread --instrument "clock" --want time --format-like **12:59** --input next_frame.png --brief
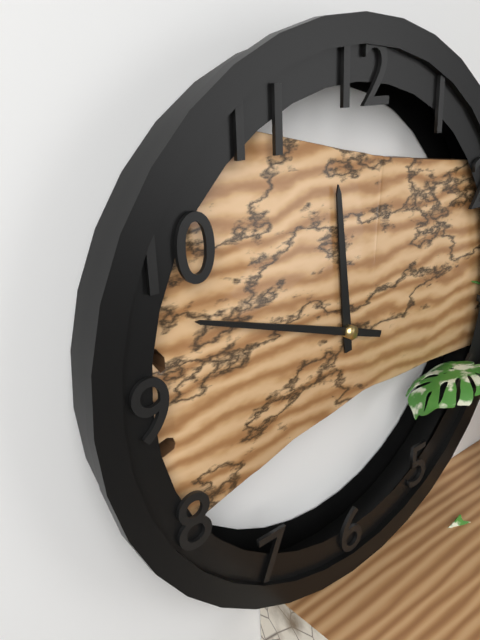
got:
**11:48**
